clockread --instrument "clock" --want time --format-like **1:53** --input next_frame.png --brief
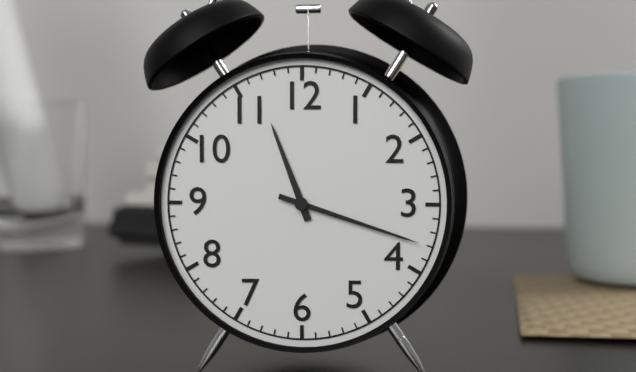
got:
**11:18**
